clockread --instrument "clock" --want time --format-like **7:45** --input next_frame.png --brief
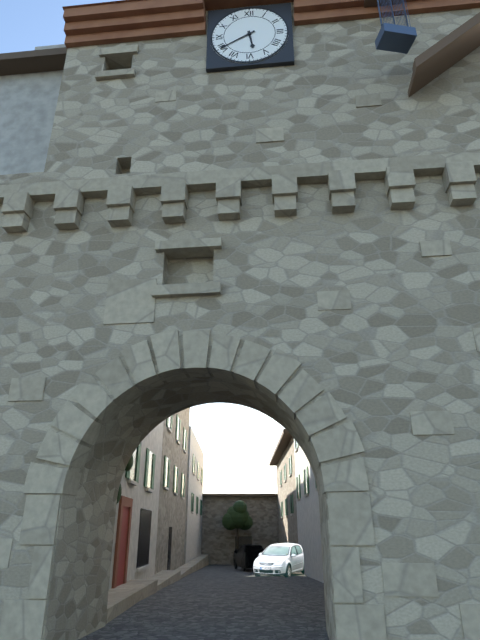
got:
**5:40**
